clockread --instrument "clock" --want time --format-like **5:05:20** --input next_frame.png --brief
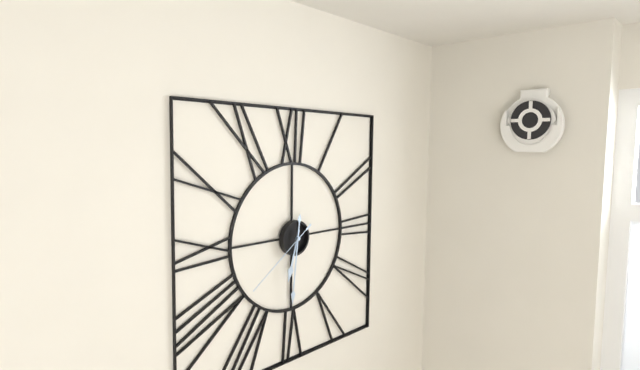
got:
**6:31:39**
